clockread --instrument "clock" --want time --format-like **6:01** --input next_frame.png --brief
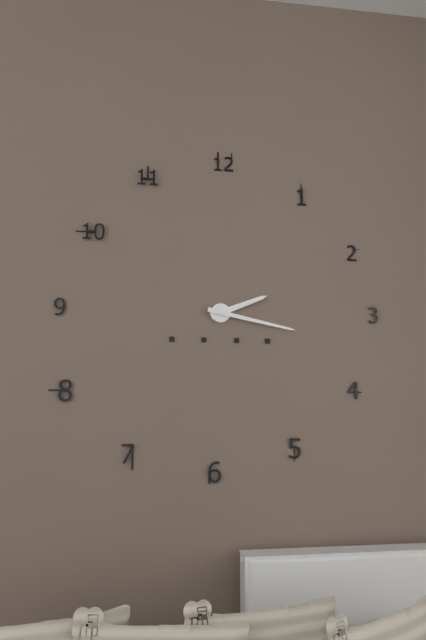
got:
**2:17**
